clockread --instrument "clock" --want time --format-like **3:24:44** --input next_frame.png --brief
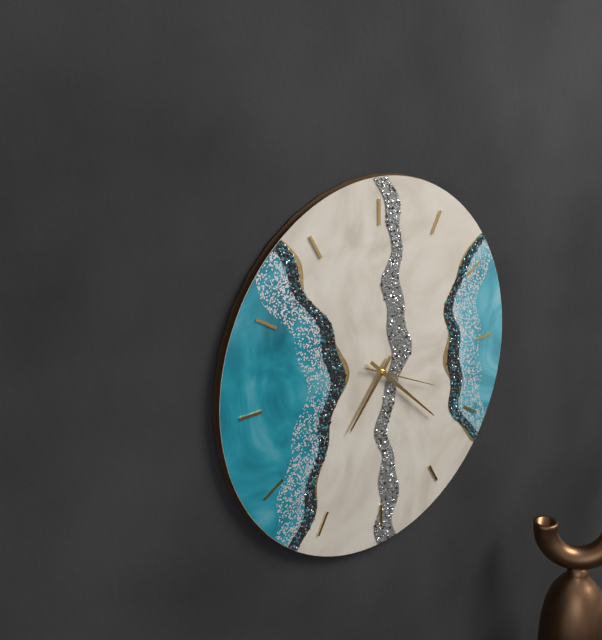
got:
**7:22:19**
